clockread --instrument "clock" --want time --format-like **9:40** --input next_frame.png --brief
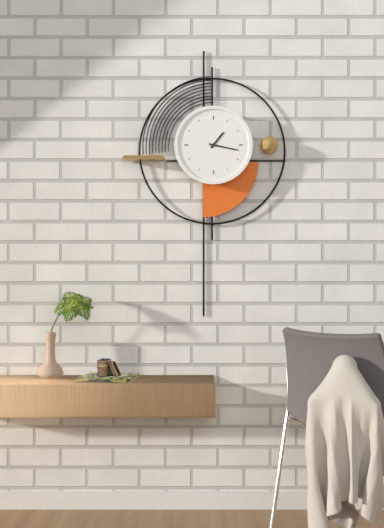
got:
**1:17**
